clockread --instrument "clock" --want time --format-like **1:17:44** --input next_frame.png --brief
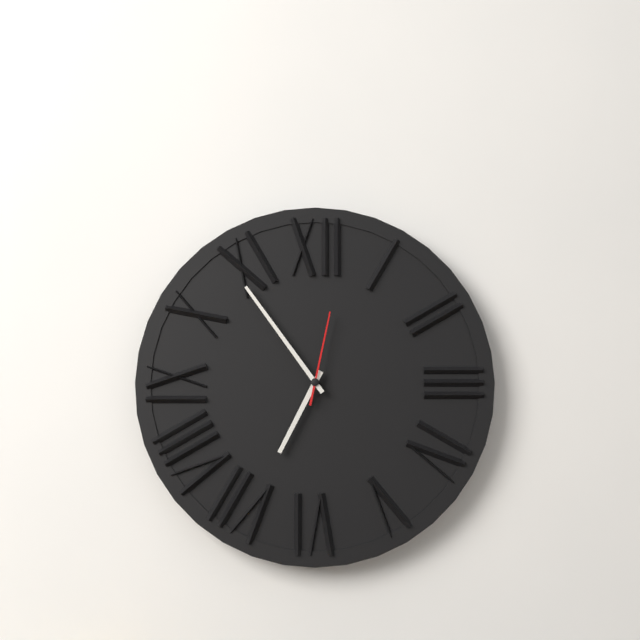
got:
**6:54:02**
